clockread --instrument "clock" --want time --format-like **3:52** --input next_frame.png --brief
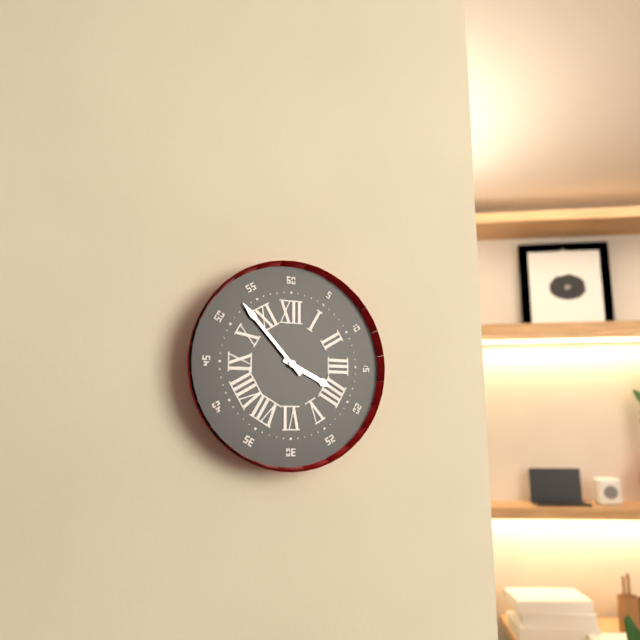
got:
**3:53**
